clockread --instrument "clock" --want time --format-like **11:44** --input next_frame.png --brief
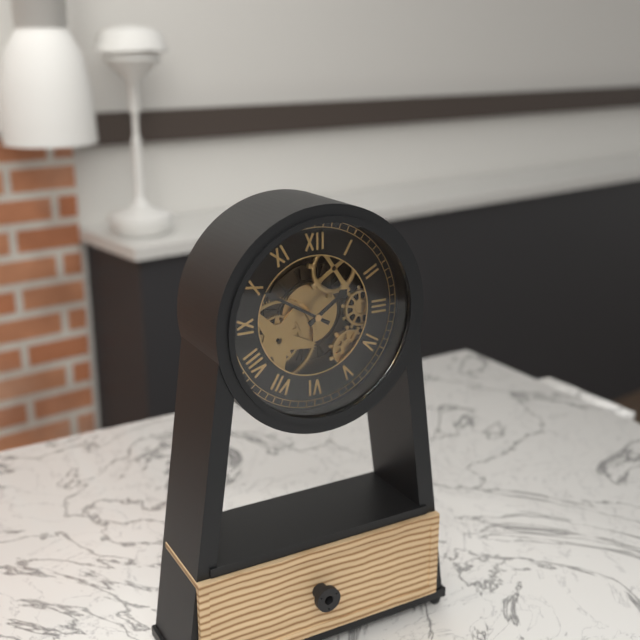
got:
**1:50**
